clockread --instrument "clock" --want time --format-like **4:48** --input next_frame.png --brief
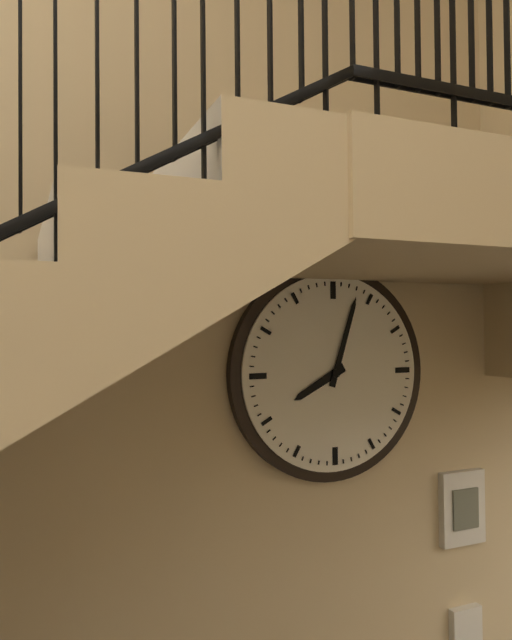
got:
**8:03**
